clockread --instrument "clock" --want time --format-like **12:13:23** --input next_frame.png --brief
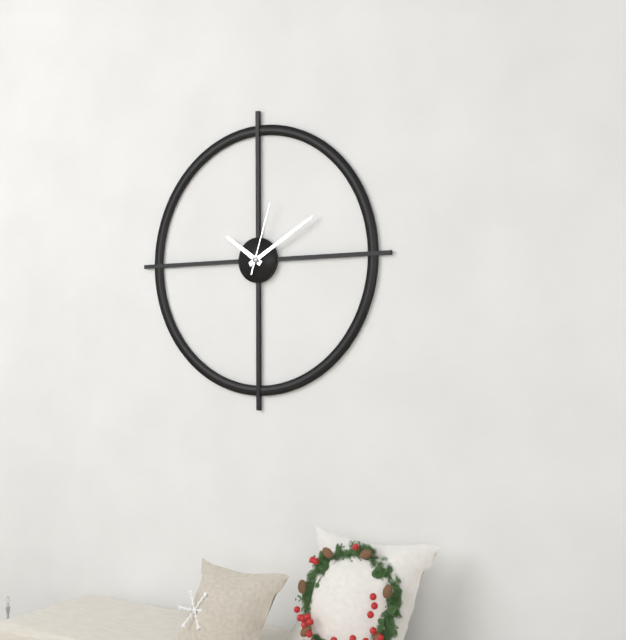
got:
**10:10:03**
